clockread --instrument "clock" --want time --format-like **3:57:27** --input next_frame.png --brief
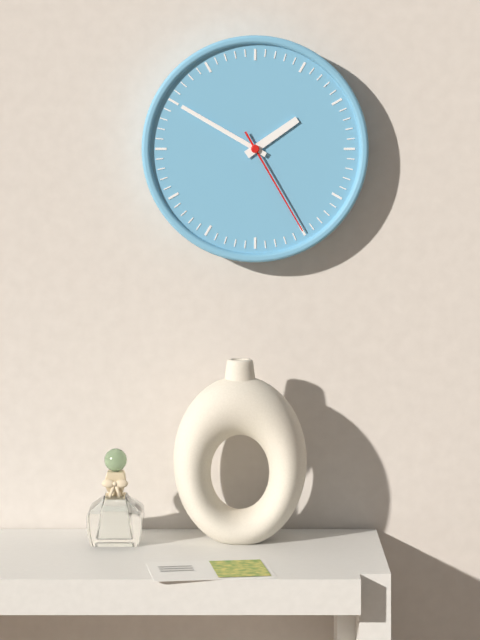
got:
**1:50:25**
